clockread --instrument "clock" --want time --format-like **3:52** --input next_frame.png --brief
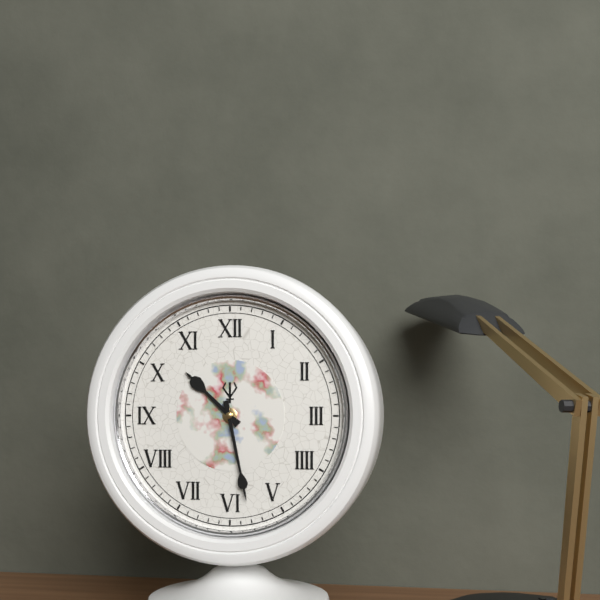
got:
**10:28**
